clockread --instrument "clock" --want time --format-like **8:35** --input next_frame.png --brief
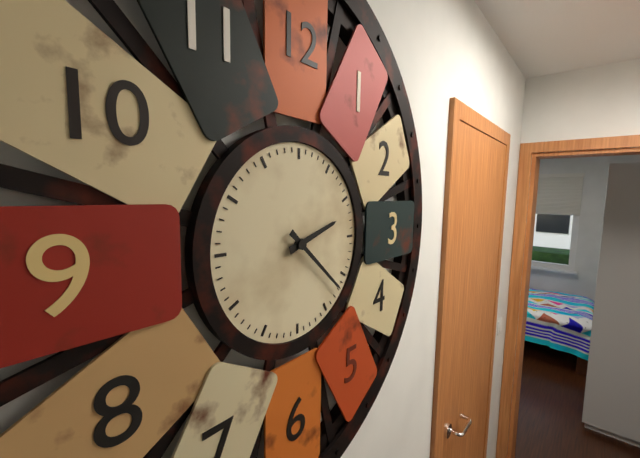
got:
**2:22**
